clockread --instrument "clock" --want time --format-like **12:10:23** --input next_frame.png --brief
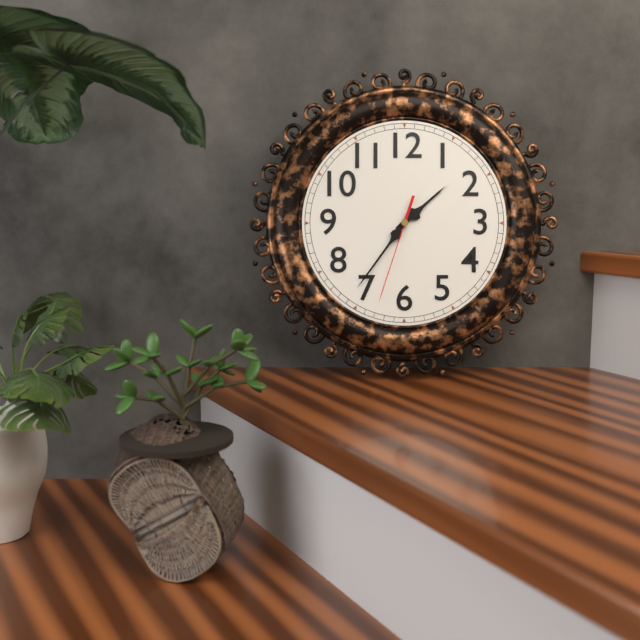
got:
**1:36:33**
